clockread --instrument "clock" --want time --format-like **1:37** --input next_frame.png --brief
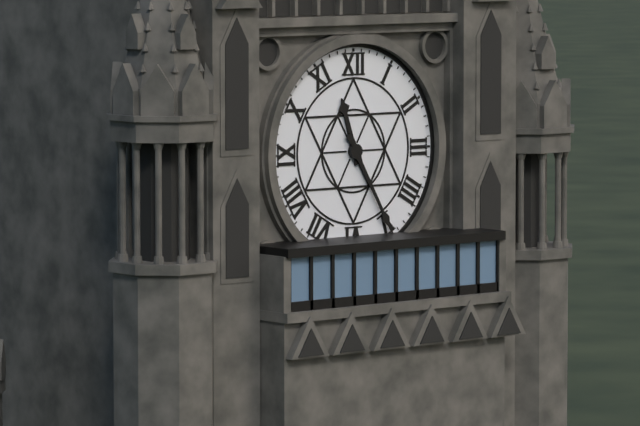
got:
**11:25**
